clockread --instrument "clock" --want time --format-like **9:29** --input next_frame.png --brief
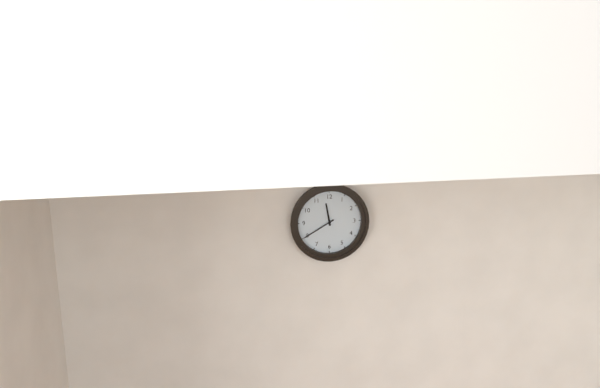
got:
**11:40**
